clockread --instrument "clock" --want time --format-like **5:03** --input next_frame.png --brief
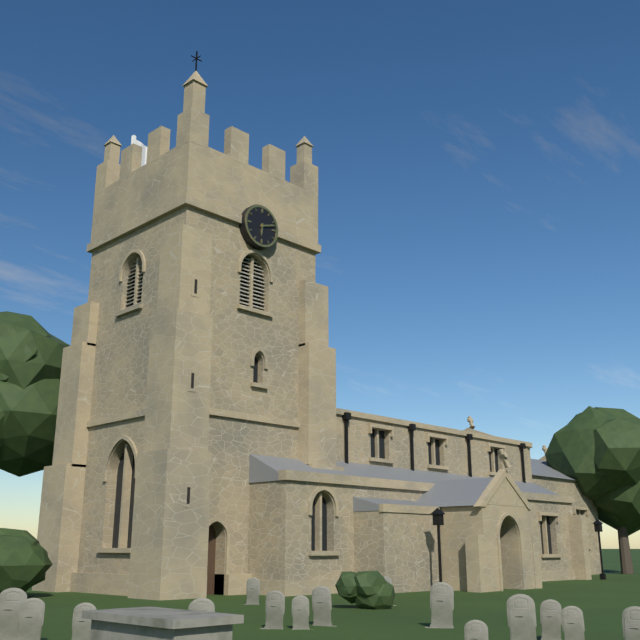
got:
**6:12**
